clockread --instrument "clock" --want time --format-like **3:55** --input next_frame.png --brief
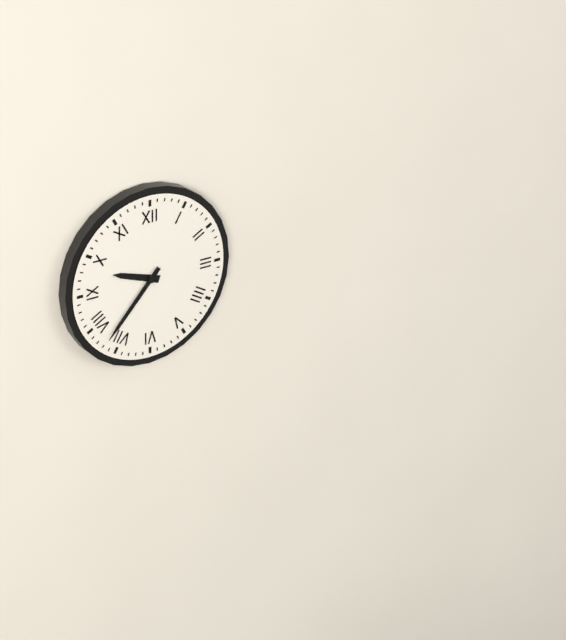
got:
**9:37**
